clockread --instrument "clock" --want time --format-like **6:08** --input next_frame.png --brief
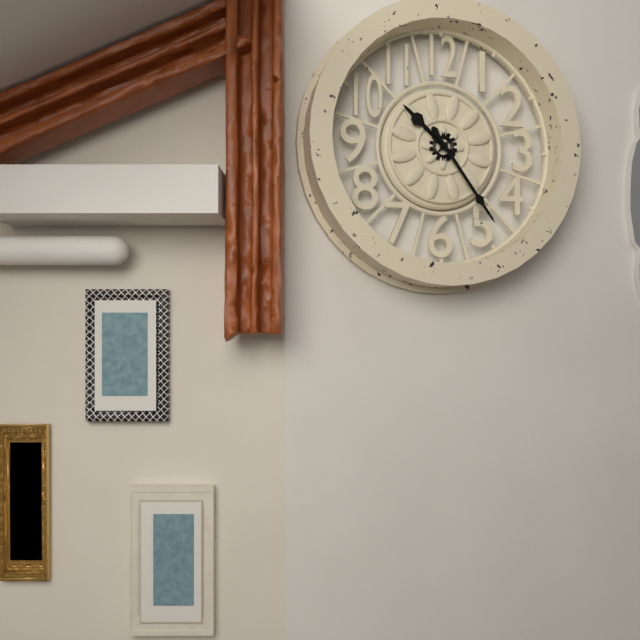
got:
**10:24**
